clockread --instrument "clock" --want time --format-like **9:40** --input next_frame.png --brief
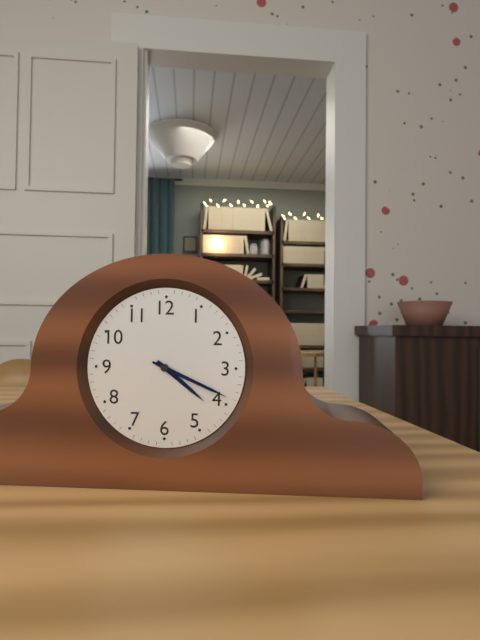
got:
**4:19**
